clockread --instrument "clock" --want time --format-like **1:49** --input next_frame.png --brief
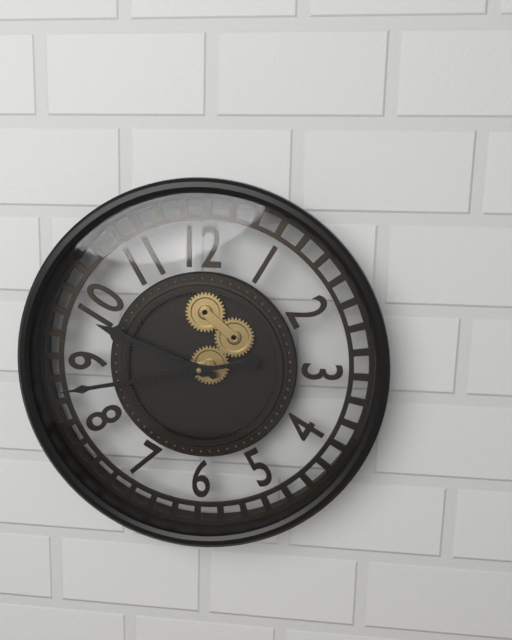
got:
**9:43**
